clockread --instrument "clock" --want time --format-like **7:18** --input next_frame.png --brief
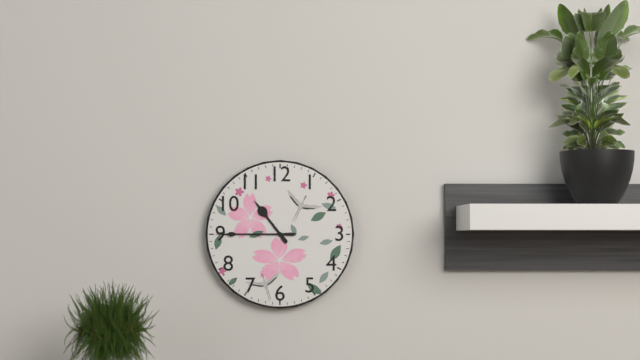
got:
**10:45**
